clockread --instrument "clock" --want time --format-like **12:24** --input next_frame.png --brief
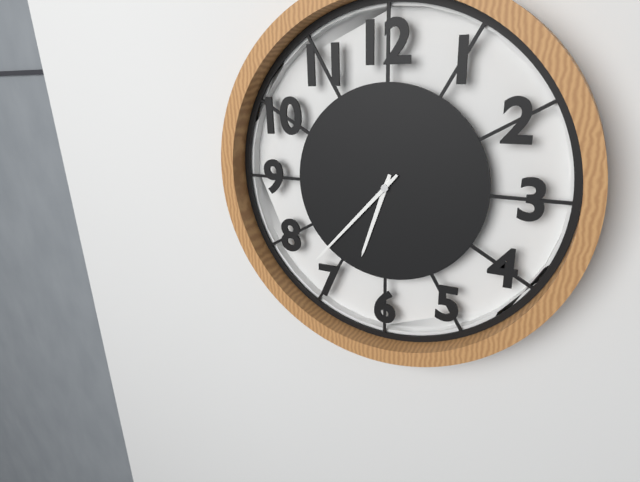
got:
**6:37**
